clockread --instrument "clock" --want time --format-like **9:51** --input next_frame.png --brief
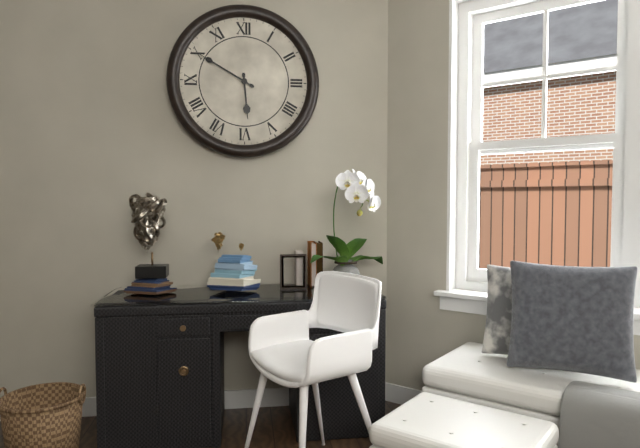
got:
**5:50**
